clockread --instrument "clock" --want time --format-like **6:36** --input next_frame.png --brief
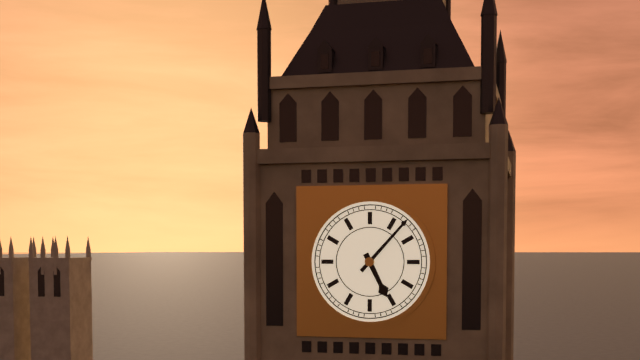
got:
**5:07**
